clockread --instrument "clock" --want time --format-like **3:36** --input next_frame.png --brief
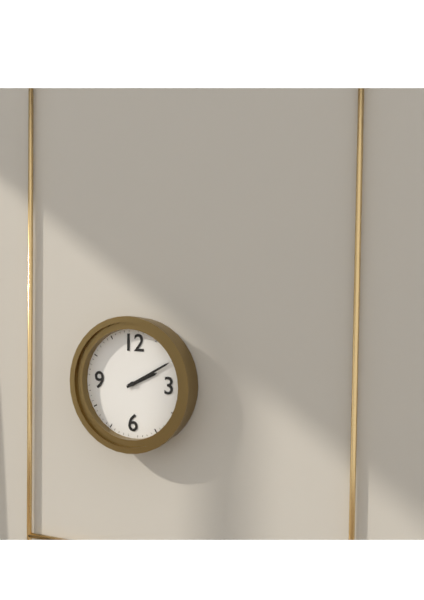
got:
**2:10**
